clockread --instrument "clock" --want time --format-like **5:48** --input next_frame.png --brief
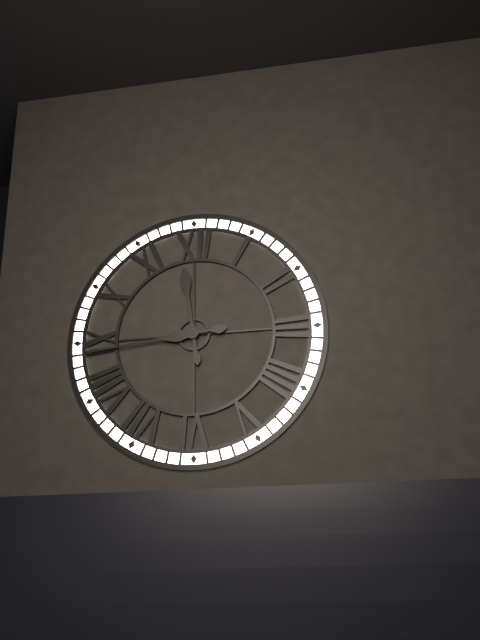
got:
**11:44**
